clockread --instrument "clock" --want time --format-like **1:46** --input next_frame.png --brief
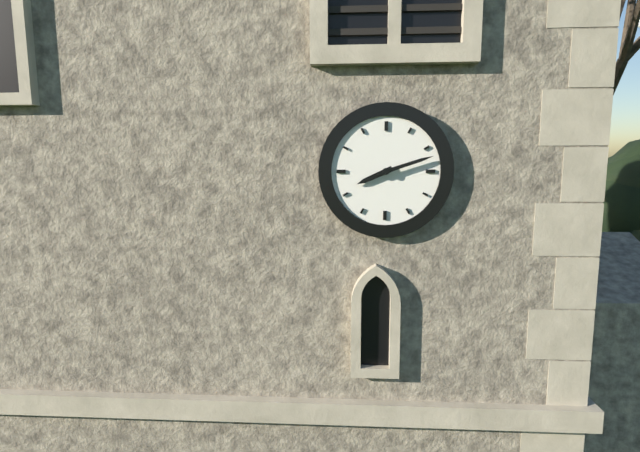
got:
**8:12**
